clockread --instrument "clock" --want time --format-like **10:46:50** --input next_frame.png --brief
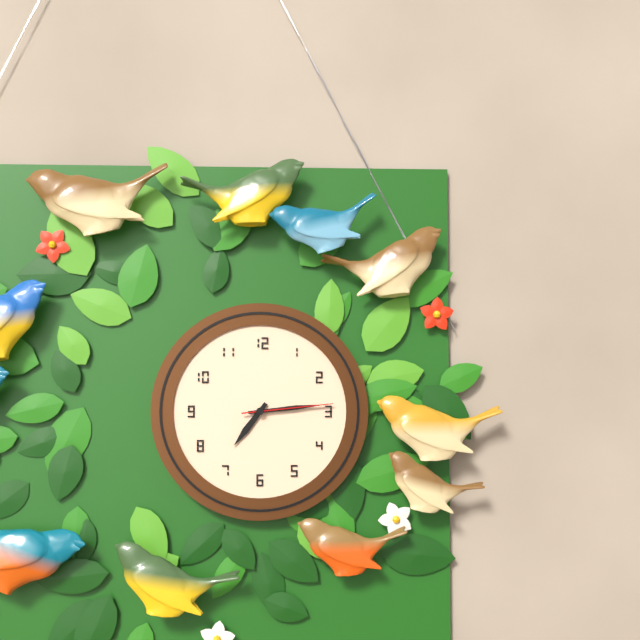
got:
**7:14:14**
